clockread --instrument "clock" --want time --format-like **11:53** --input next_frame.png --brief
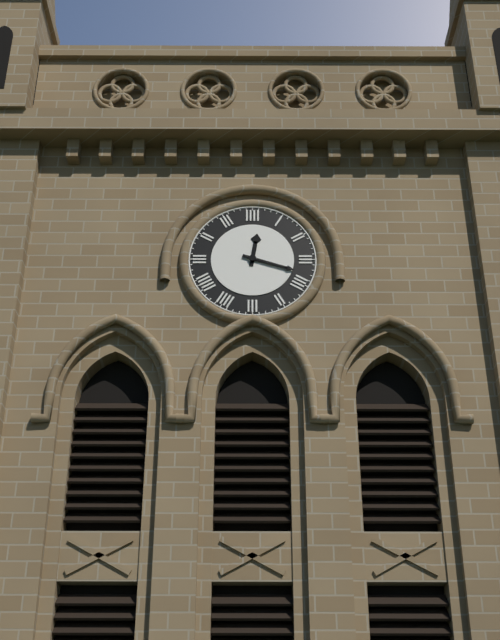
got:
**12:18**
